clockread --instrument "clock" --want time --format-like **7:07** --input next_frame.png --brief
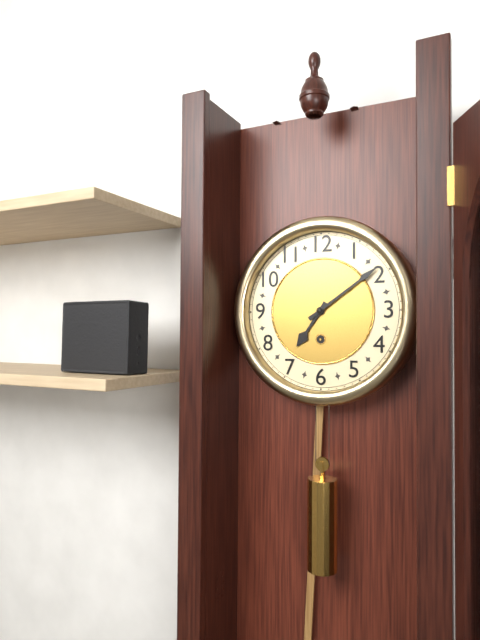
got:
**7:09**
